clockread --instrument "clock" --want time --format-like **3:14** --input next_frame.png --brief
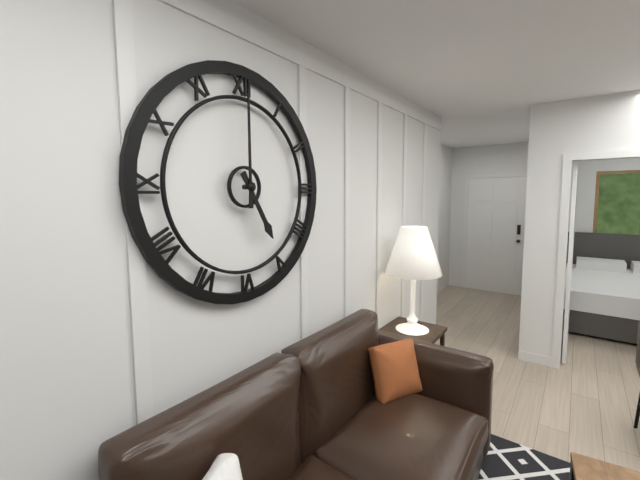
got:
**5:00**
